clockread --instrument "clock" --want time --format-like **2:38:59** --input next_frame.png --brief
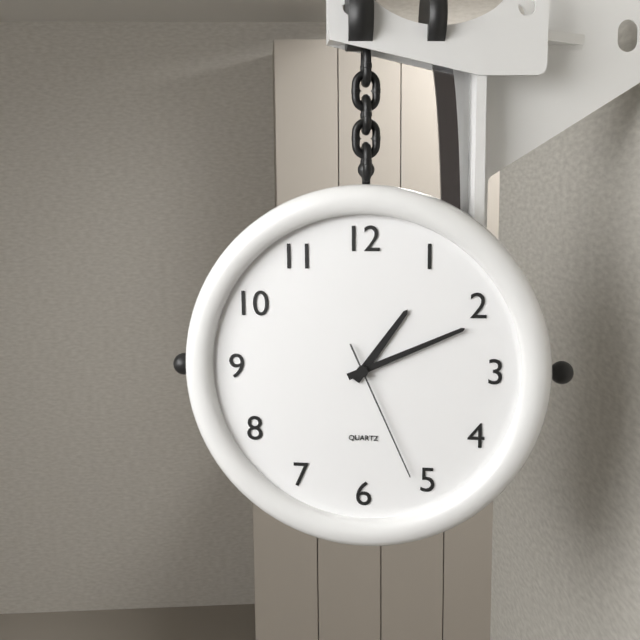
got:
**1:11:26**
